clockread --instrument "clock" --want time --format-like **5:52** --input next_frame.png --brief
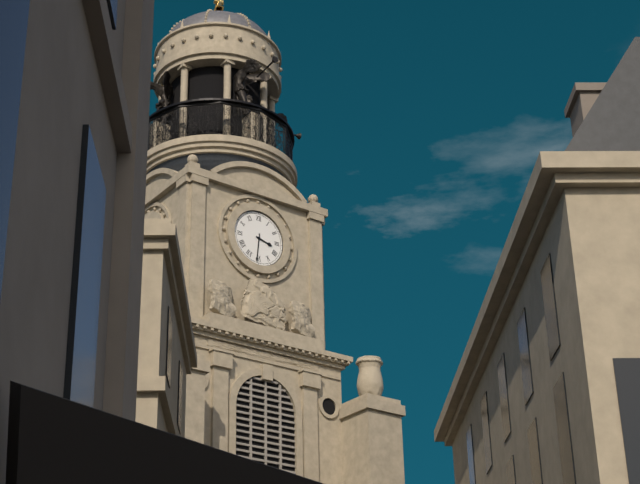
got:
**3:31**
